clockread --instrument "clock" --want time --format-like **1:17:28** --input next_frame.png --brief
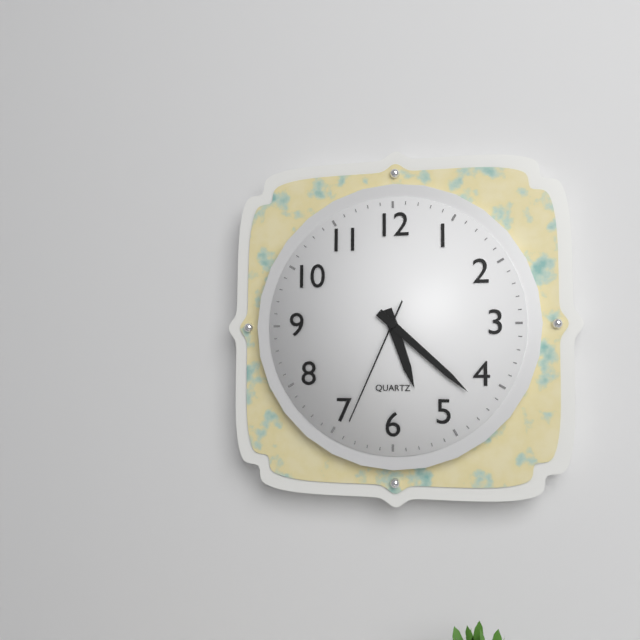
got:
**5:22:34**
